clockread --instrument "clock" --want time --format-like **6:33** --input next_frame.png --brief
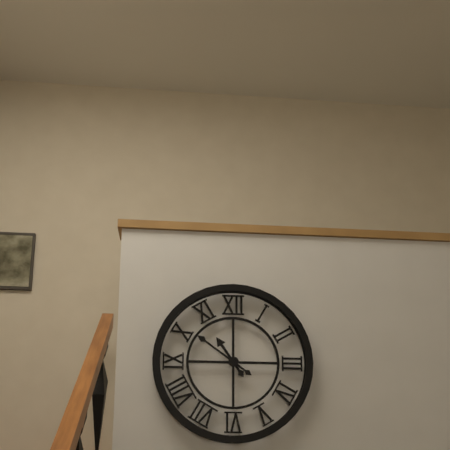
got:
**10:51**
